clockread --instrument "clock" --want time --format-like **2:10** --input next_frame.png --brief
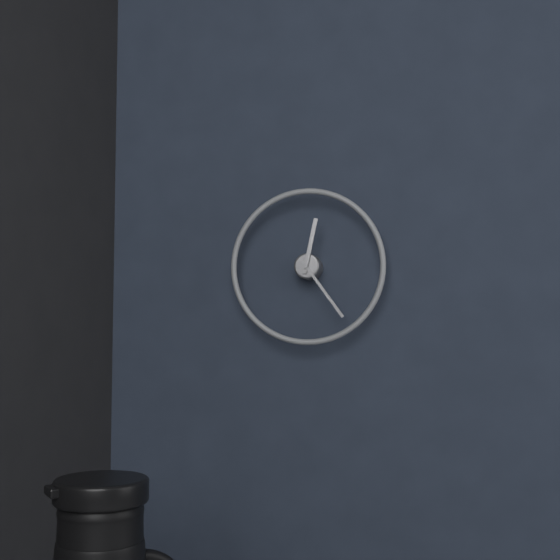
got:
**12:24**
